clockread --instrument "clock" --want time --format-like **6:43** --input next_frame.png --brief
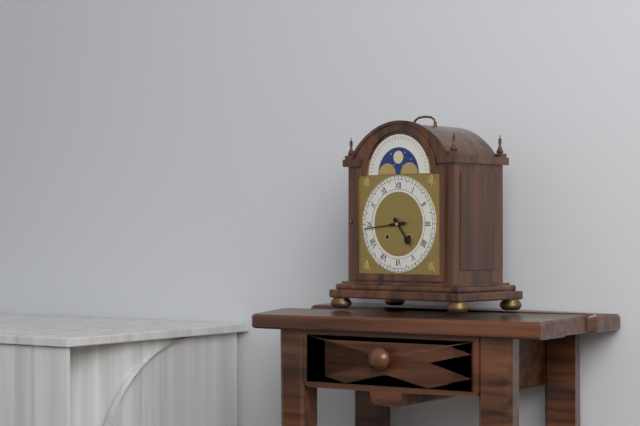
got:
**4:44**
